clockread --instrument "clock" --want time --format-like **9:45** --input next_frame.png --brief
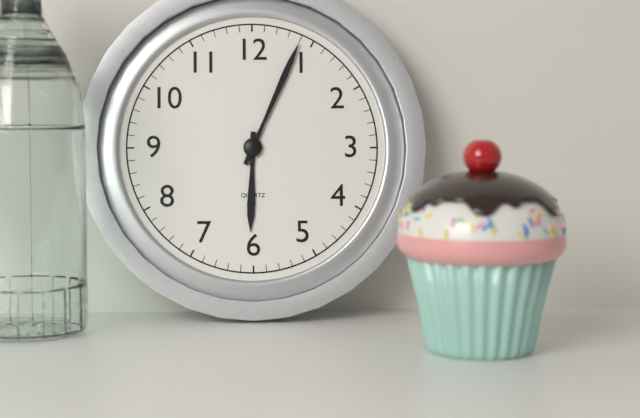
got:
**6:04**
